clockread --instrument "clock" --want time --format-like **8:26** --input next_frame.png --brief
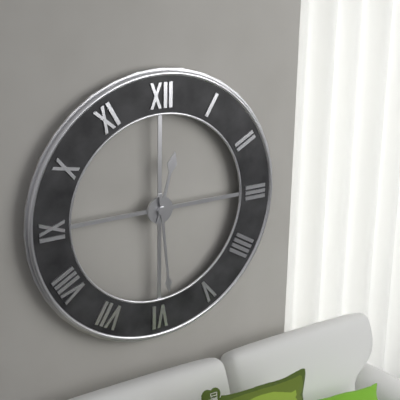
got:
**12:29**
